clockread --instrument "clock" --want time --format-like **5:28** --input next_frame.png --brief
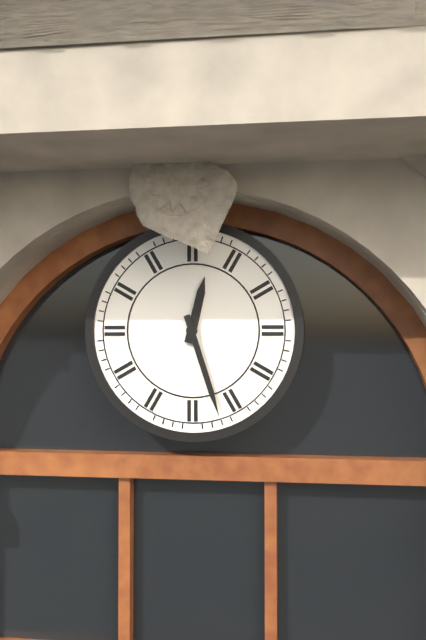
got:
**12:27**
